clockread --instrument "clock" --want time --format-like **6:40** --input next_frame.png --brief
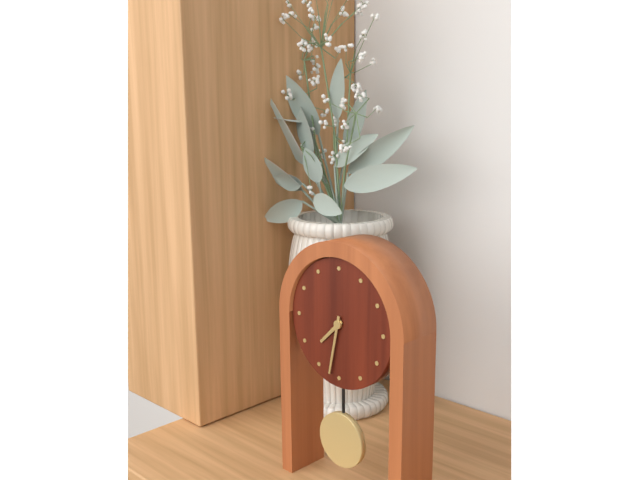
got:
**7:32**
